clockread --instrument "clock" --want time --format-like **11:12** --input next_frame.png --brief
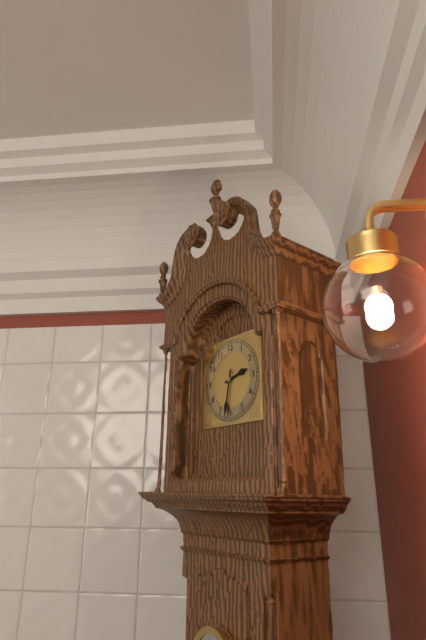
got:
**2:32**
